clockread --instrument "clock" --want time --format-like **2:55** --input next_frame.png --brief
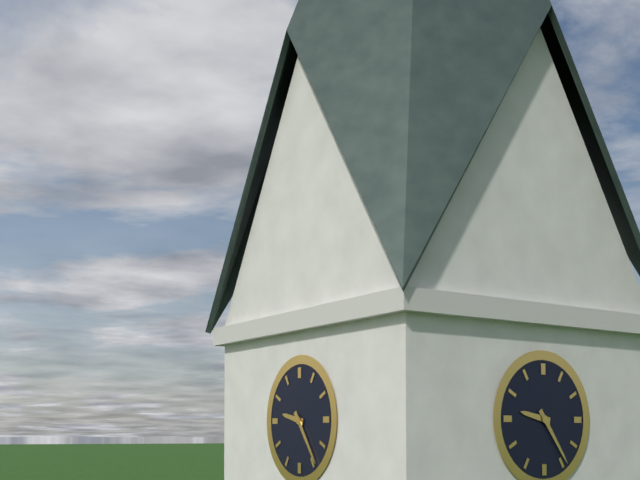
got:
**9:24**
